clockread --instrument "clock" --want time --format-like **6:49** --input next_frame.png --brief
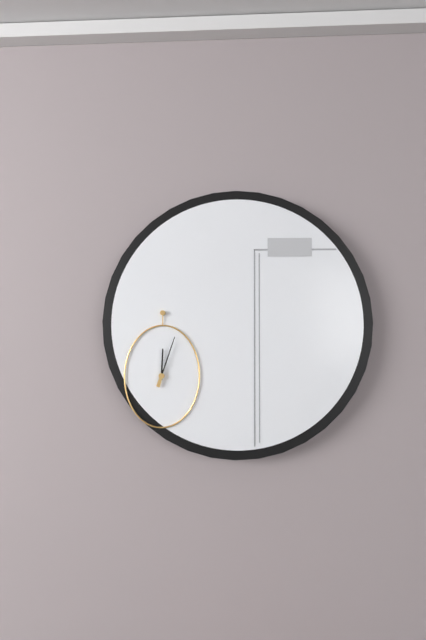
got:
**12:03**
